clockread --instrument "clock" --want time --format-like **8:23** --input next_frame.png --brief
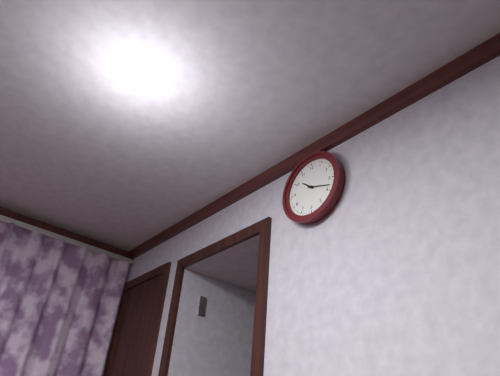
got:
**10:18**
